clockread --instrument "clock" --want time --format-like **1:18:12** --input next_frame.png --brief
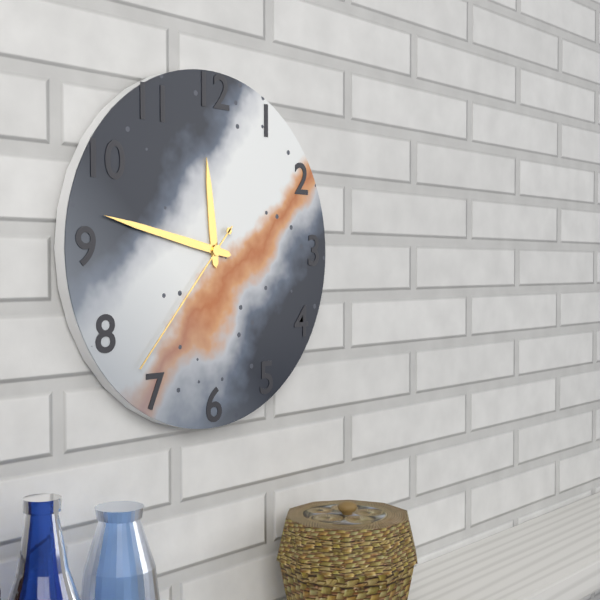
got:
**11:47:37**
